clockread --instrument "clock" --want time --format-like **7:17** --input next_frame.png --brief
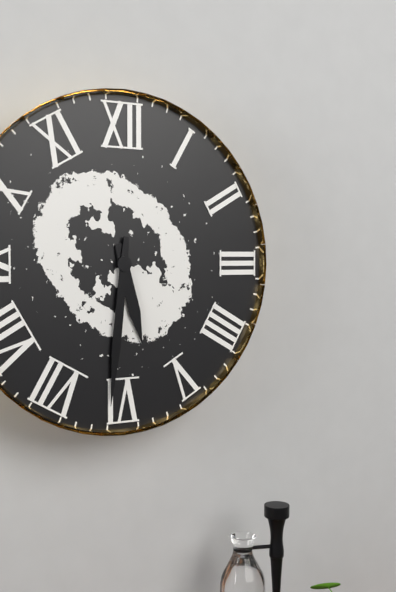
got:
**5:31**
